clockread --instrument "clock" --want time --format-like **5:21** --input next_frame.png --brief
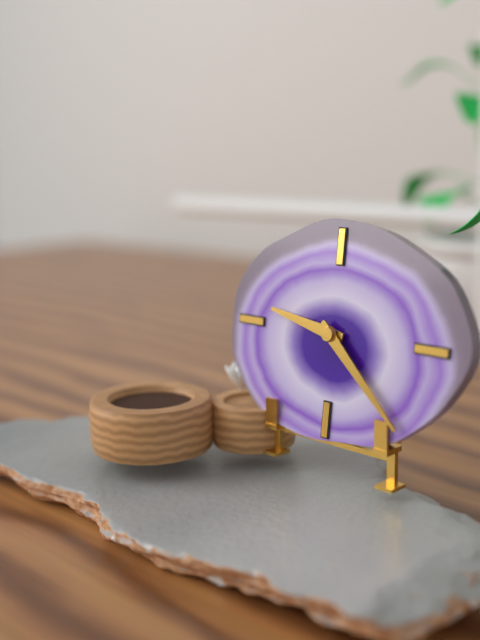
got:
**9:22**
